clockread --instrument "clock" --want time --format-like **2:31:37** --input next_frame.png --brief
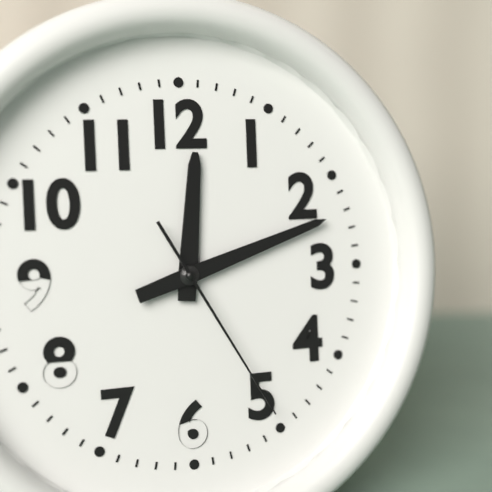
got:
**12:12:25**
